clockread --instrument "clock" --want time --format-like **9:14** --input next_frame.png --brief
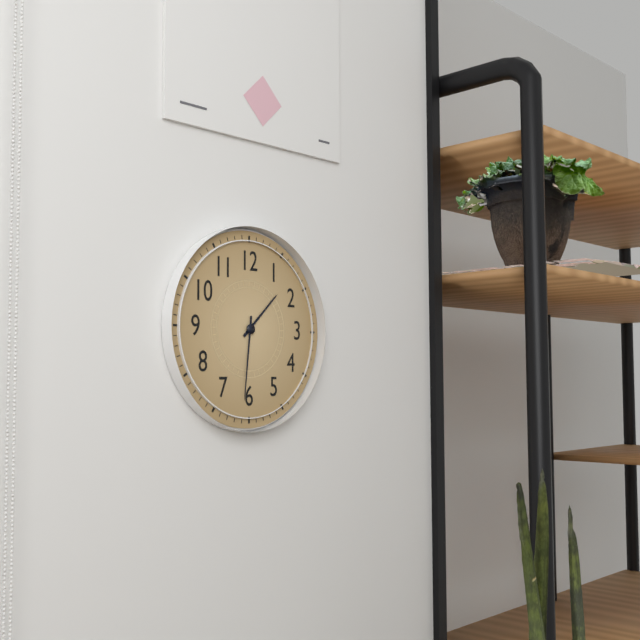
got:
**1:31**
